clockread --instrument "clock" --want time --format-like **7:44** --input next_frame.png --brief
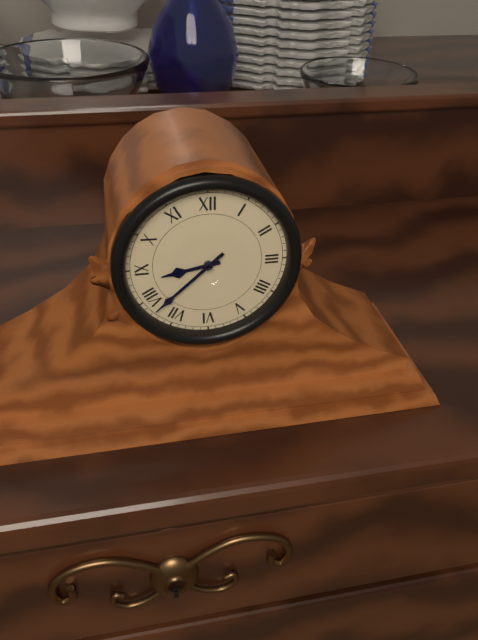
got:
**8:38**
